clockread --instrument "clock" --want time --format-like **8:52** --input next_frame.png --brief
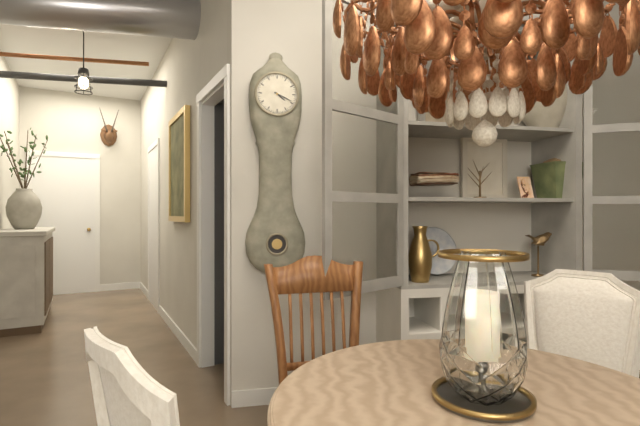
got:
**4:19**
